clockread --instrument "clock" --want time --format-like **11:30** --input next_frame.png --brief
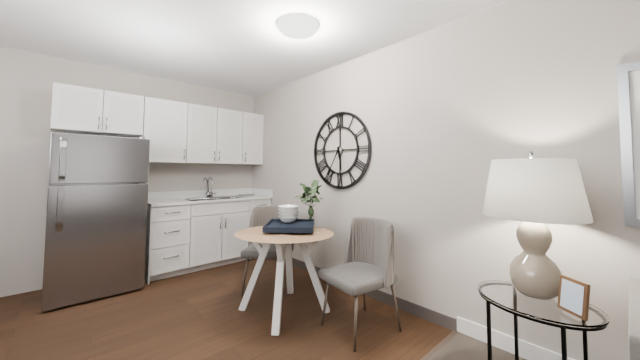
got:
**5:35**
